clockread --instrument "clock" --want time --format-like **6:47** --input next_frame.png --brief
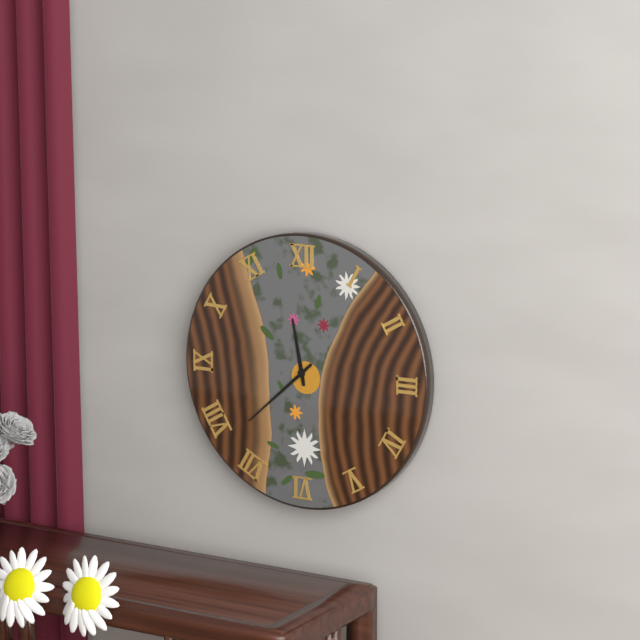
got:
**11:38**
